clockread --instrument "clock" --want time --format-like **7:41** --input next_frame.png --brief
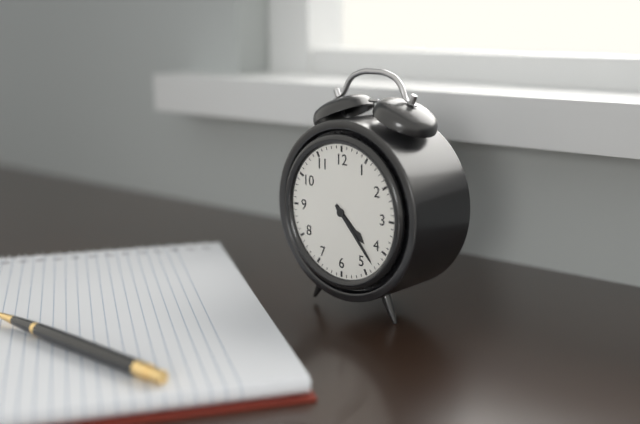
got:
**4:23**
